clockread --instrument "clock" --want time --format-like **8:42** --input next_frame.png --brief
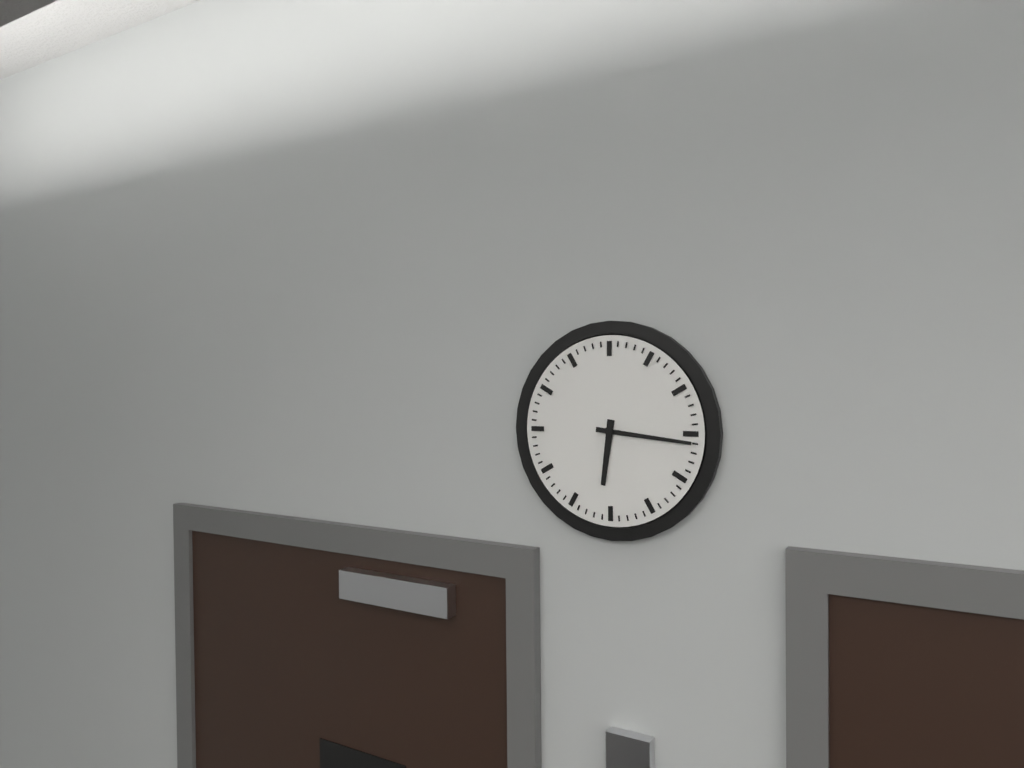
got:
**6:16**
